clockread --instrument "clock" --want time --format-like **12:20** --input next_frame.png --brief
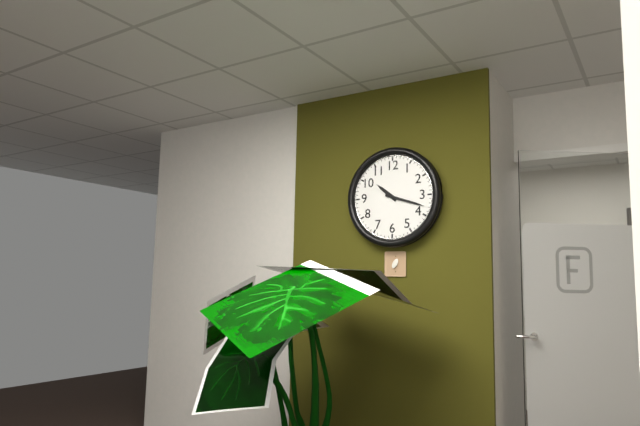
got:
**10:18**
